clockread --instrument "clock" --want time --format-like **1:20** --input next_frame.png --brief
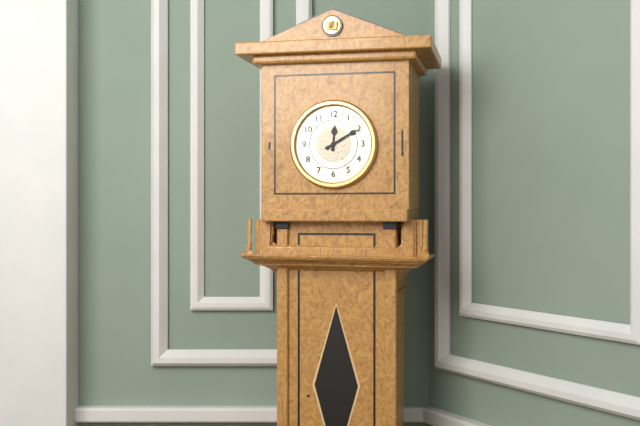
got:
**12:10**
